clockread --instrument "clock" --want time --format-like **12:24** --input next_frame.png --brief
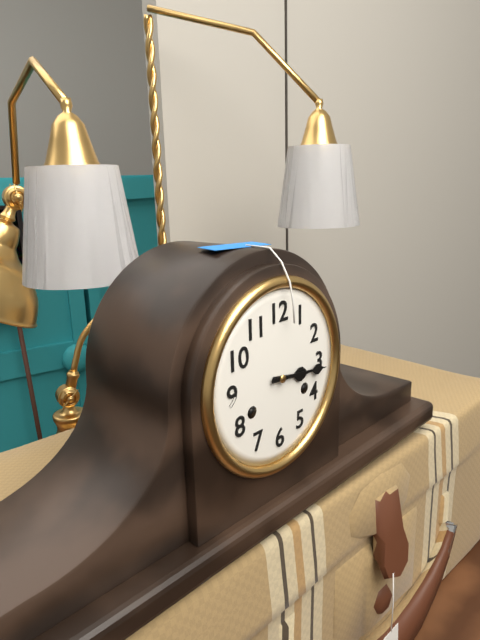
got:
**3:16**
